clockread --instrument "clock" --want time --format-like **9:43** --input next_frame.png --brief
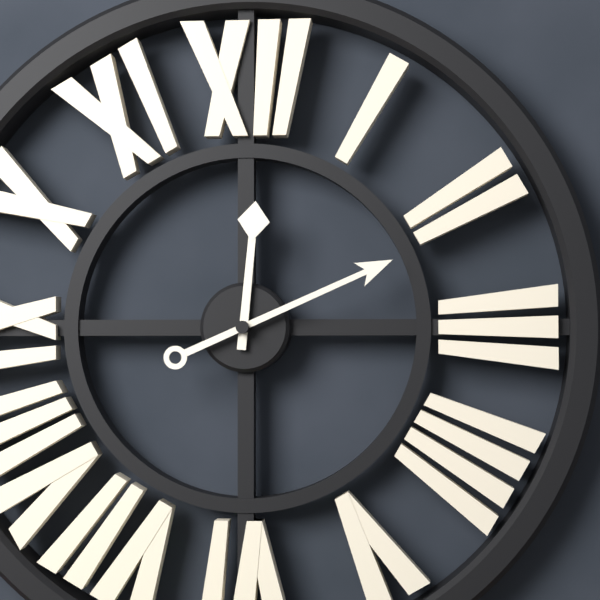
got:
**12:11**
